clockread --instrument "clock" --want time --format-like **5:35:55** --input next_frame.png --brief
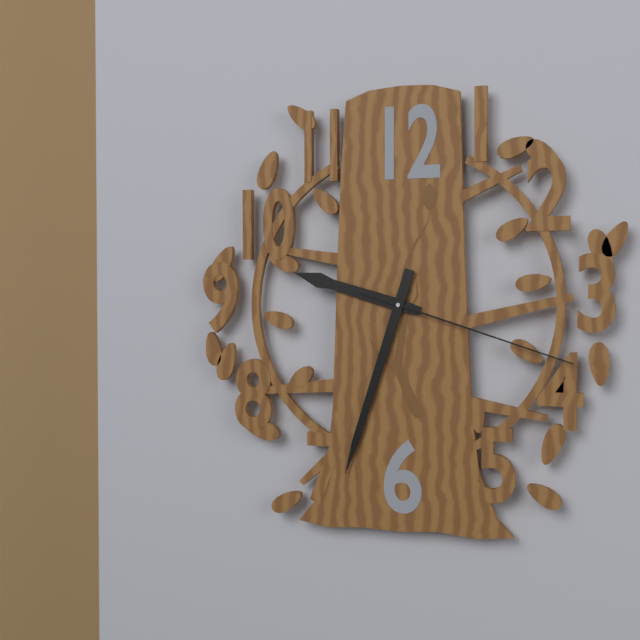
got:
**9:33:18**
